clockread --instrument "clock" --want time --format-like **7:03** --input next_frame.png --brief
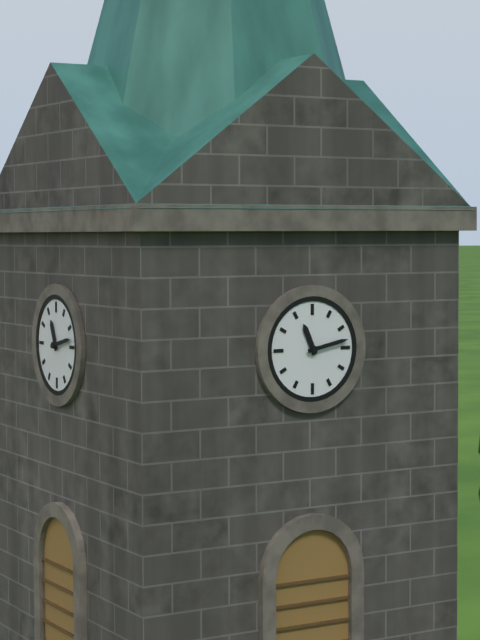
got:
**11:13**
